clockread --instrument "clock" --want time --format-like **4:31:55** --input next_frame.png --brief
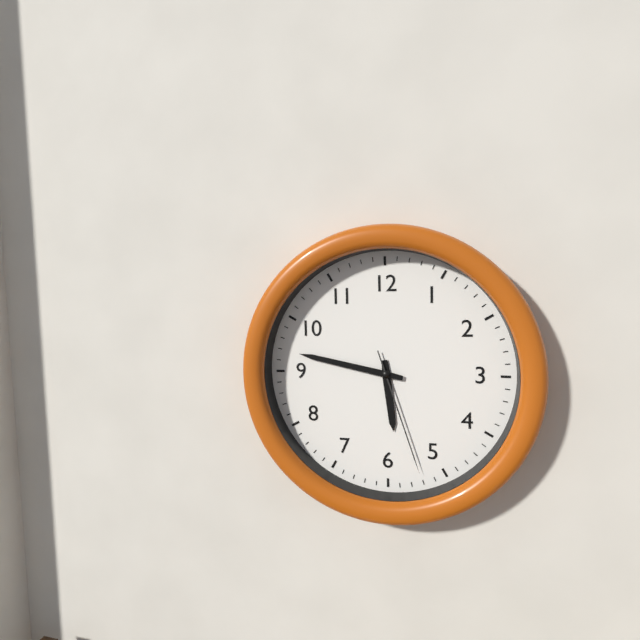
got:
**5:47:27**
